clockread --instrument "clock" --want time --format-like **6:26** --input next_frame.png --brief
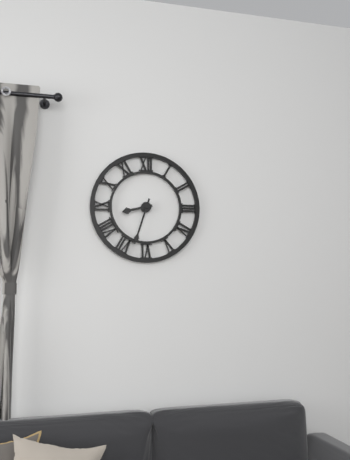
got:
**8:33**
